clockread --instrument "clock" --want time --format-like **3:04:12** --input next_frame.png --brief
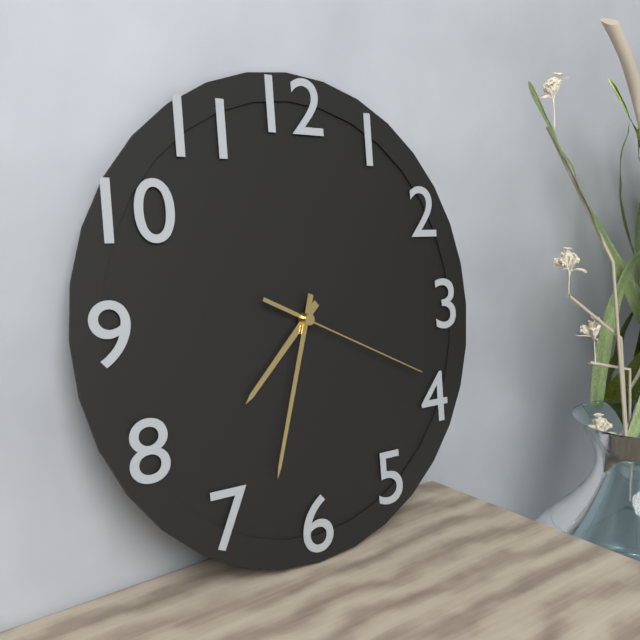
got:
**7:33:19**
